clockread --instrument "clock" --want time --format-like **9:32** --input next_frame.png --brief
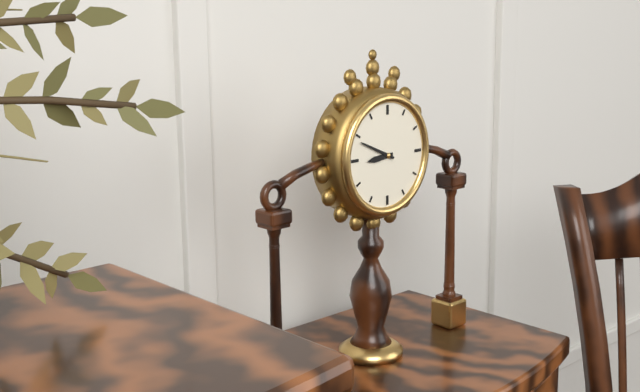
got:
**8:49**
